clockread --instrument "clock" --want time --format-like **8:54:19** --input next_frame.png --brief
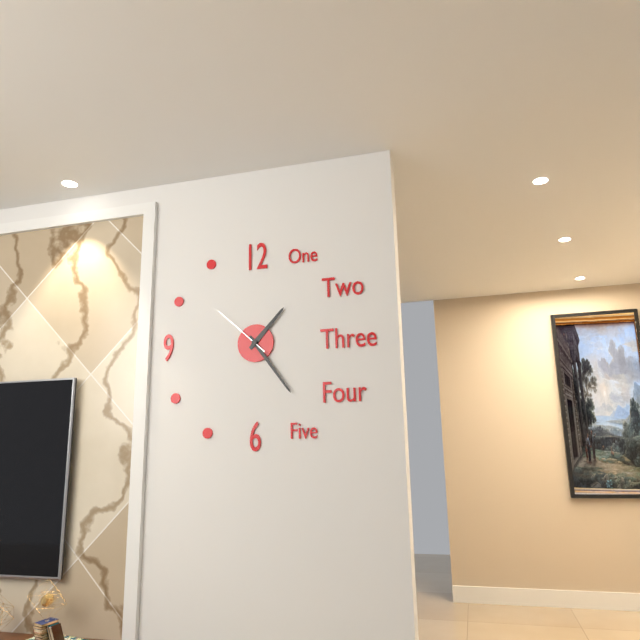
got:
**1:24:52**
